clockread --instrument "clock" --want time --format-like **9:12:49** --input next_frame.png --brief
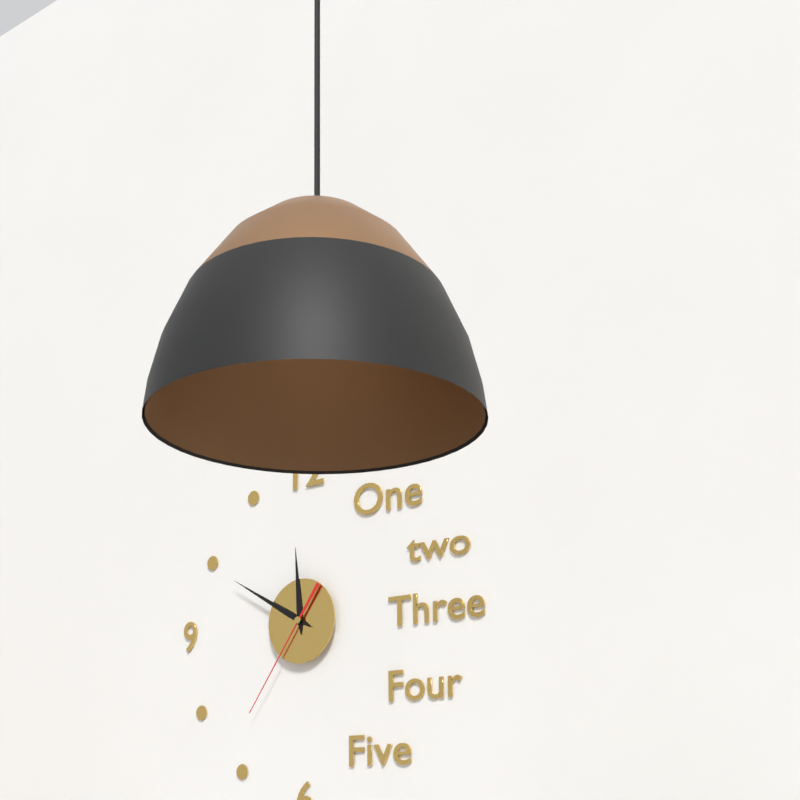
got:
**11:50:36**
